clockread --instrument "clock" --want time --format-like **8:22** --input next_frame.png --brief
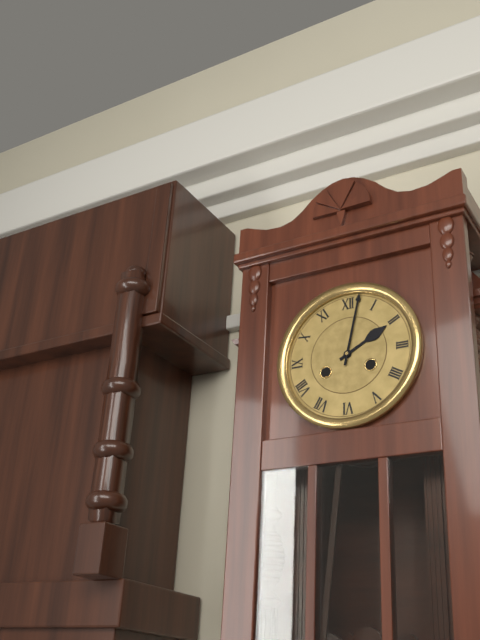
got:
**2:02**
